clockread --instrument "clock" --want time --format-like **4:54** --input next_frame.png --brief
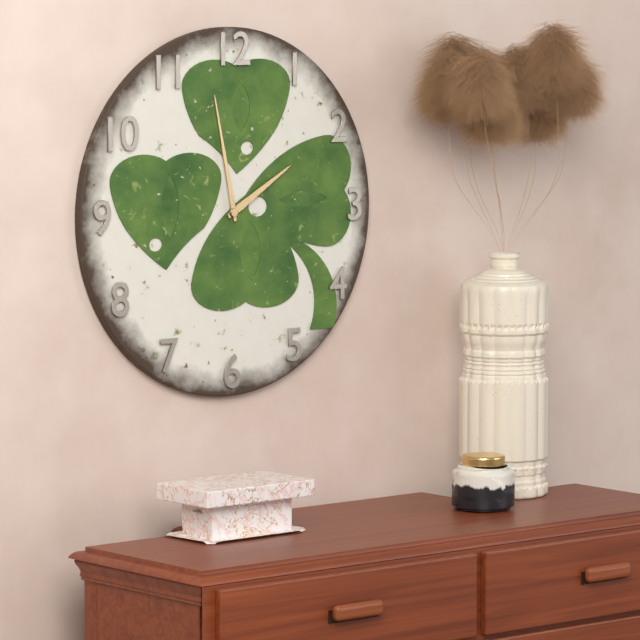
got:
**1:58**
